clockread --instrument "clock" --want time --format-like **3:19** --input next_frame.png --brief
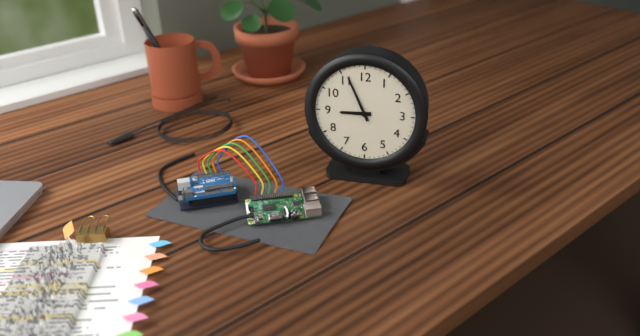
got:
**8:56**
